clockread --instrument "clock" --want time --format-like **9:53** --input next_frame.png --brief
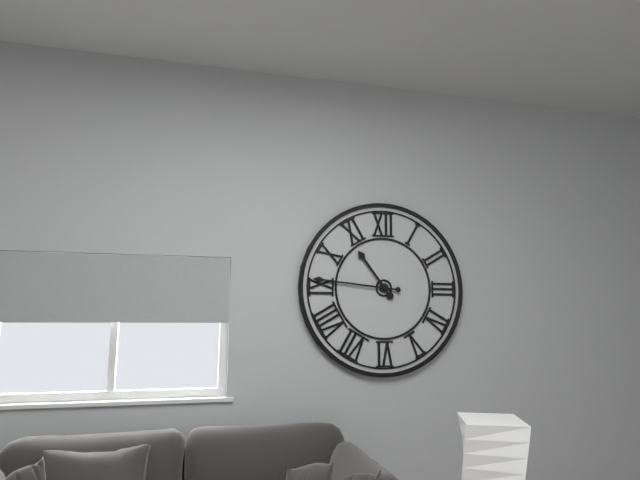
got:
**10:46**
